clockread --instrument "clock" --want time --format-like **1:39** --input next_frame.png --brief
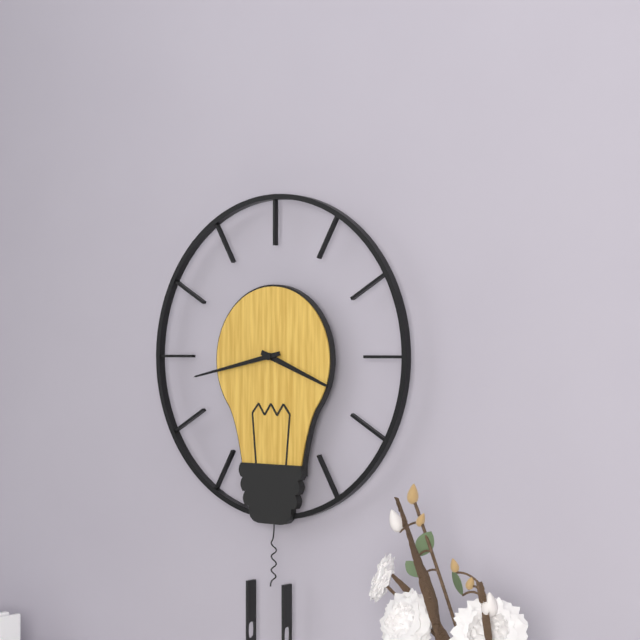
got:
**3:43**
